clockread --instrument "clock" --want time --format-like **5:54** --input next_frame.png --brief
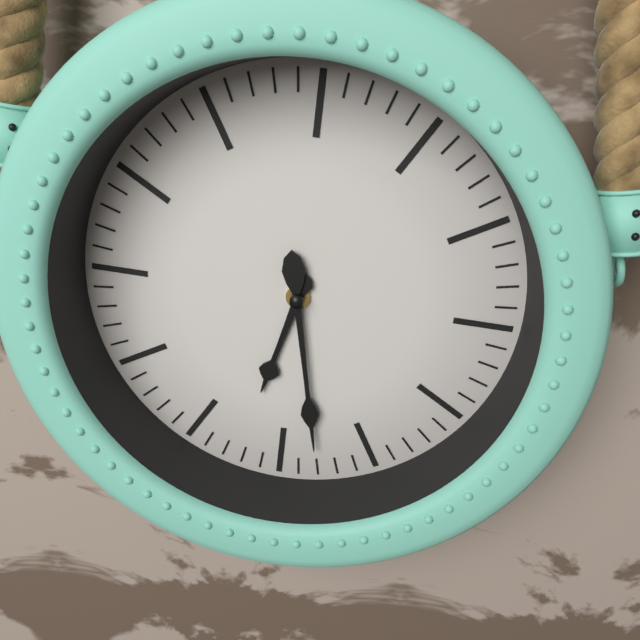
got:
**6:28**
